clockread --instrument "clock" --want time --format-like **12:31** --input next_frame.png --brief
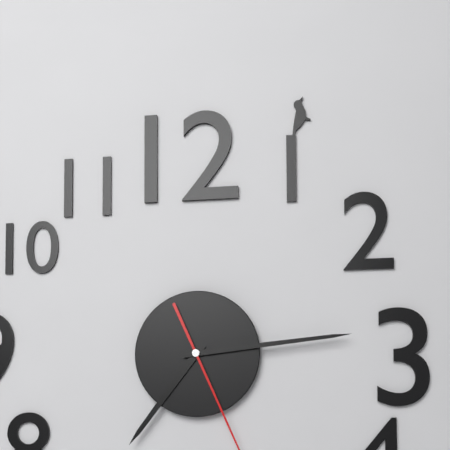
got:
**7:14**
